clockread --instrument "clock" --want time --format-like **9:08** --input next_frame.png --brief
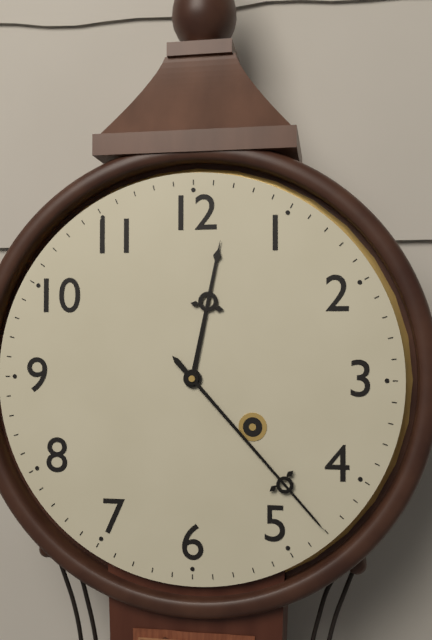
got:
**12:23**
